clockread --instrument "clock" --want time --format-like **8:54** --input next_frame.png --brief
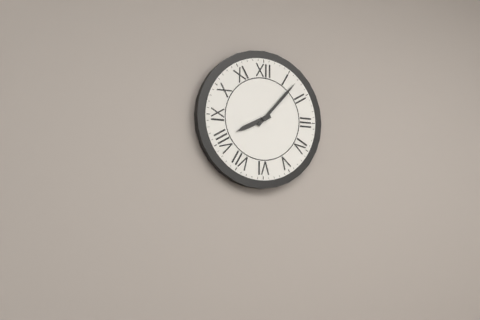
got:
**8:07**
